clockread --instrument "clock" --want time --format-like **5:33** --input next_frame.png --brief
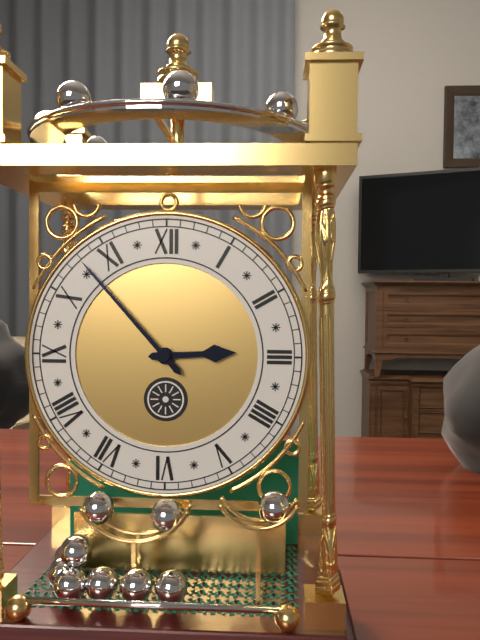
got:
**2:53**
